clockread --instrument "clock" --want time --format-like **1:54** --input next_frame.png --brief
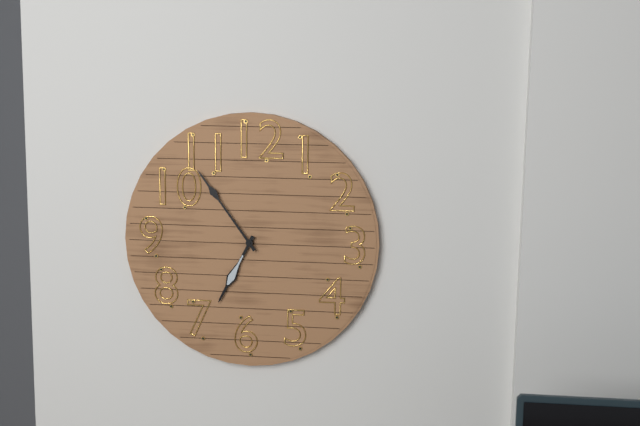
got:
**6:54**
